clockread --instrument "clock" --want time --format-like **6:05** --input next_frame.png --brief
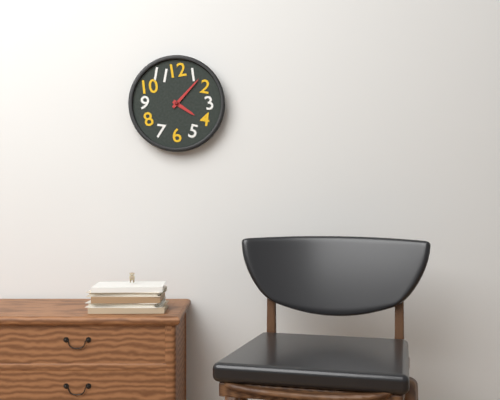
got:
**4:07**
